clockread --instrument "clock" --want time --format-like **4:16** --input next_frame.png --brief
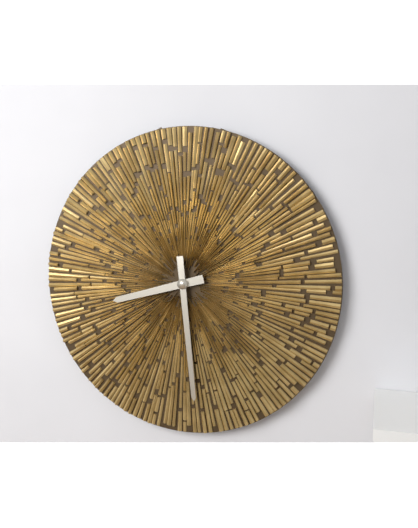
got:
**8:29**
